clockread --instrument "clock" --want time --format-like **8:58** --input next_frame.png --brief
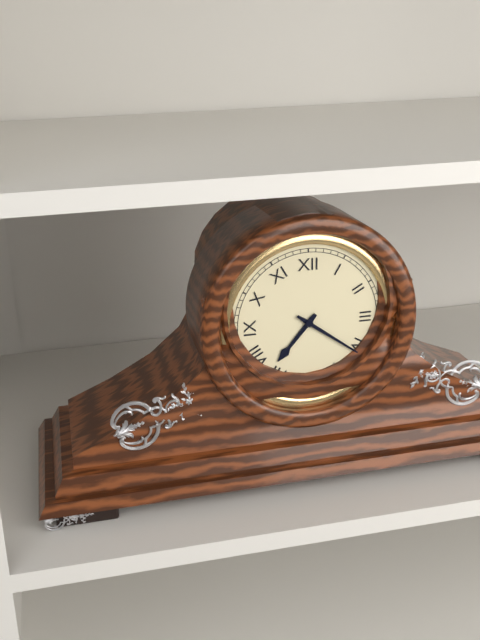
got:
**7:21**
